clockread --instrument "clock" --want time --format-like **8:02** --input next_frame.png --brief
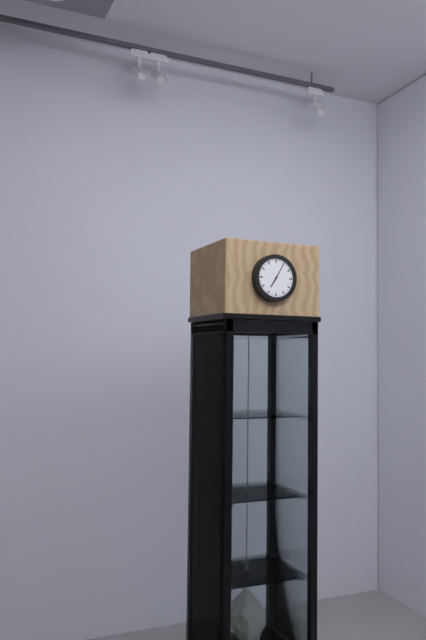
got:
**7:05**
